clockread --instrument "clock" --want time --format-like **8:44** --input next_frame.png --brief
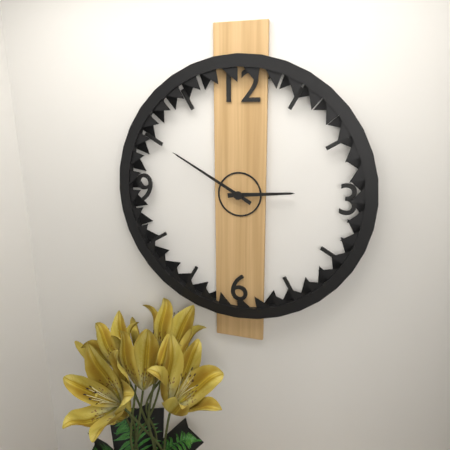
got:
**2:50**
